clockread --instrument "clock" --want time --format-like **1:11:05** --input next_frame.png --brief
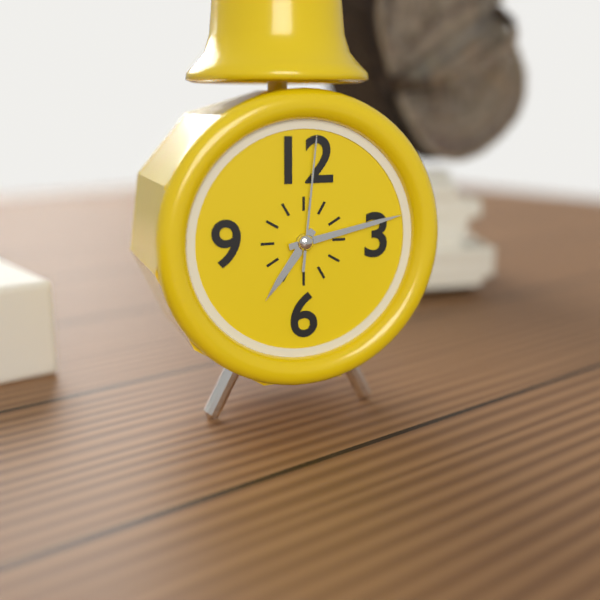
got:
**7:13:01**
